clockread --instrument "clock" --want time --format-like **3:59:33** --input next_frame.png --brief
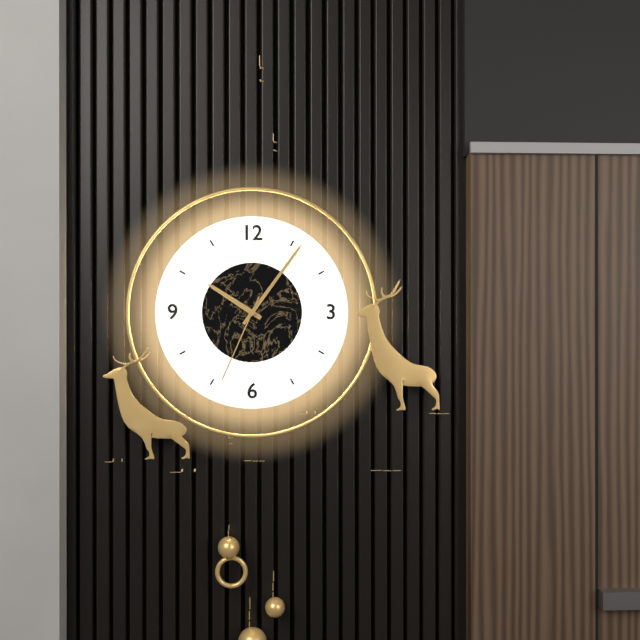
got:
**10:06:34**
